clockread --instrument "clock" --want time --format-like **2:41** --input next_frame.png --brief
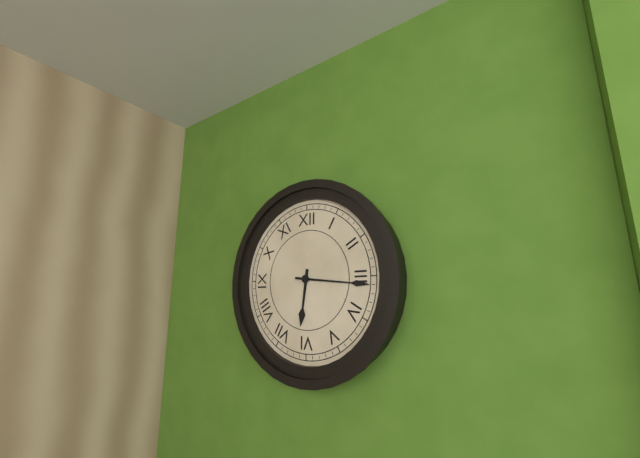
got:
**6:16**
